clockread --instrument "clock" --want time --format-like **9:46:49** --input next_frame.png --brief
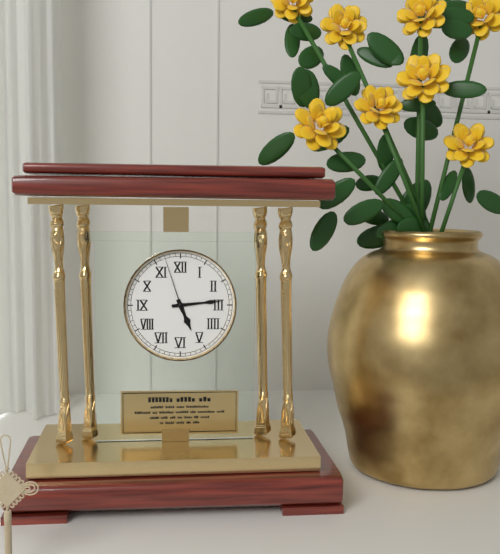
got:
**5:14:57**
